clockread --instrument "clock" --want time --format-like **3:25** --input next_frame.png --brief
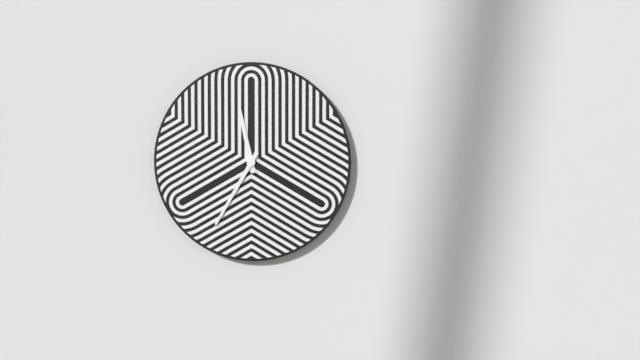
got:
**11:35**
